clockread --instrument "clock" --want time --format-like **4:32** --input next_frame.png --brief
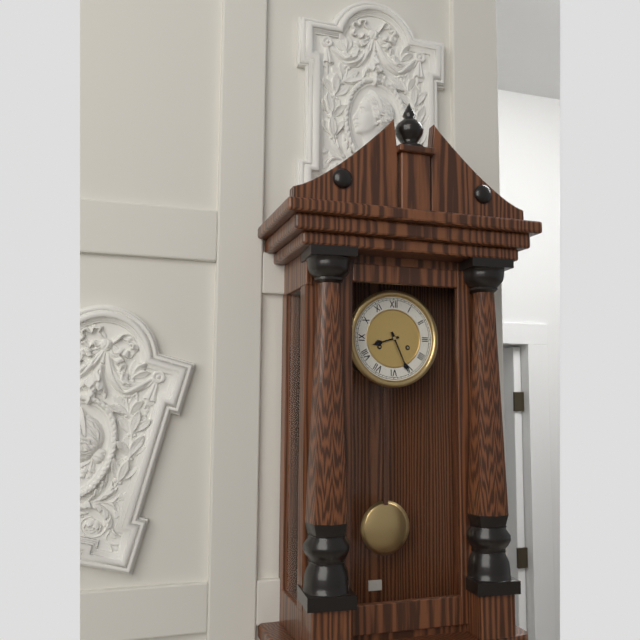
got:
**8:26**
